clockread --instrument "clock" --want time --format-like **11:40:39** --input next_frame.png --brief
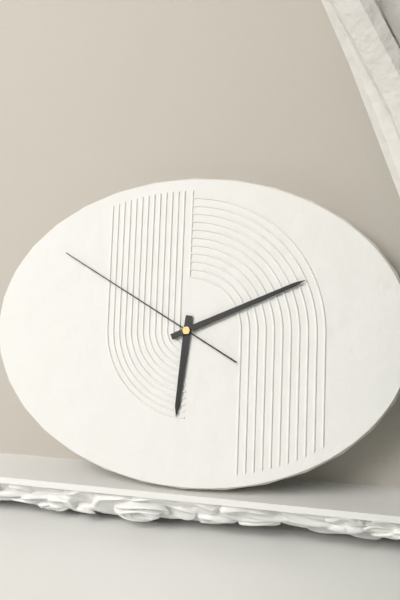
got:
**6:11:50**
